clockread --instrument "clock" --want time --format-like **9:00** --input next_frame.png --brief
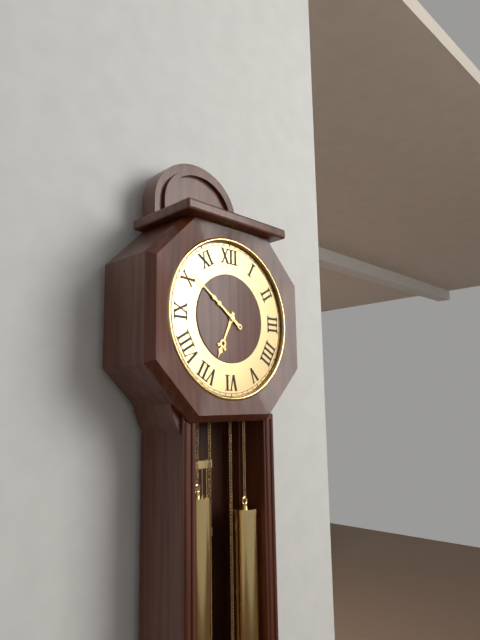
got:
**6:51**
